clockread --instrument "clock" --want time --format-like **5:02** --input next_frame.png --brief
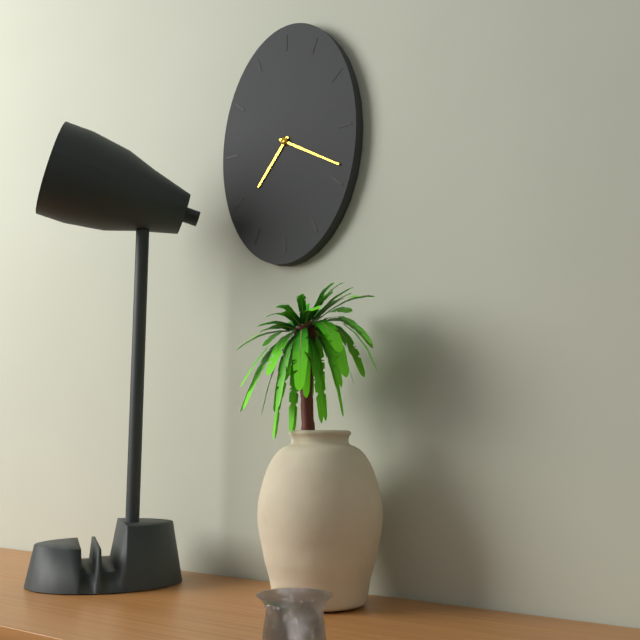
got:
**7:20**
